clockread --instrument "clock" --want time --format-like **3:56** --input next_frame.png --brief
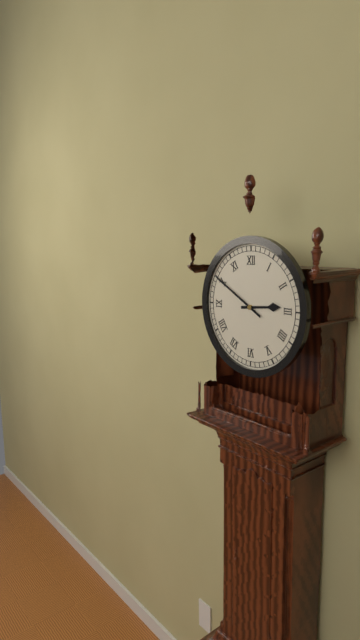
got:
**2:50**
